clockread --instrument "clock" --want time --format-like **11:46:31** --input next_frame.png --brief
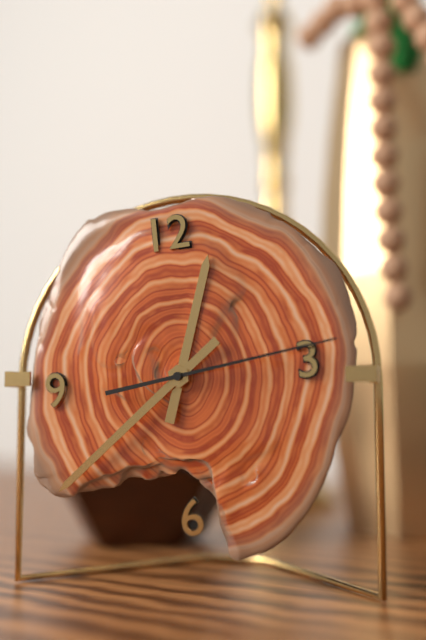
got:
**12:39:14**
